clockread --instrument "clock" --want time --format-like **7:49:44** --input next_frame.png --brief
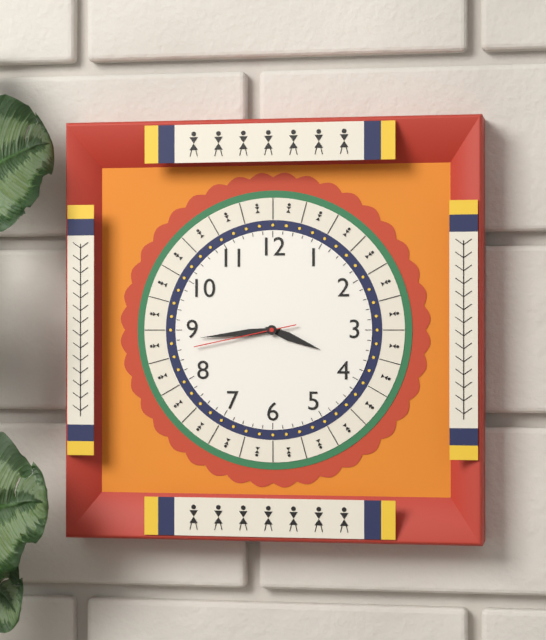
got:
**3:44:43**
